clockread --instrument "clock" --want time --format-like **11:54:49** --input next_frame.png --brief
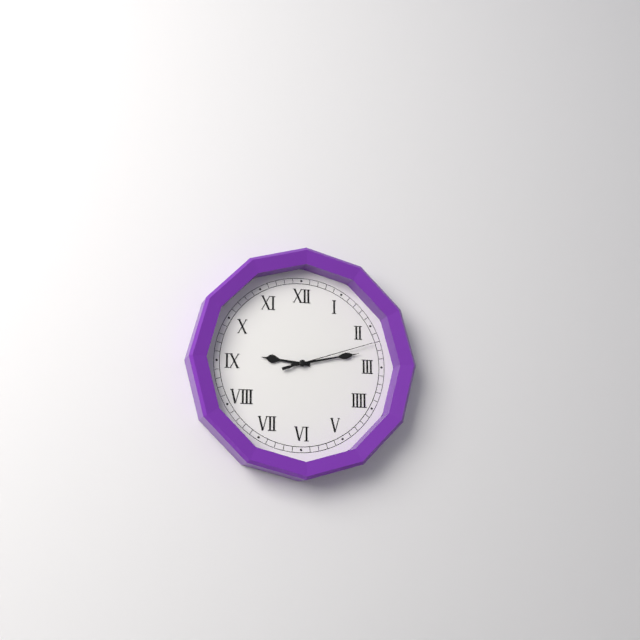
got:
**9:13:12**
